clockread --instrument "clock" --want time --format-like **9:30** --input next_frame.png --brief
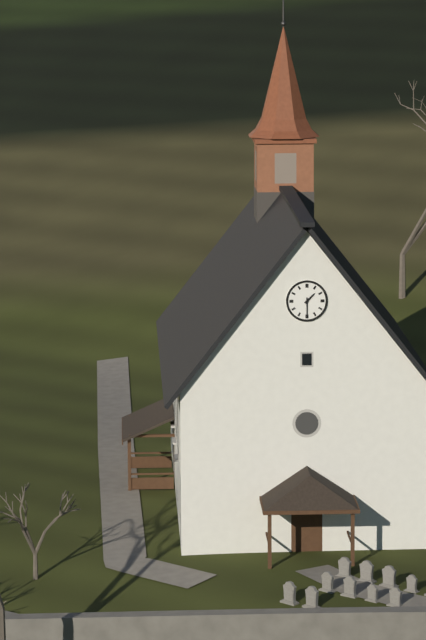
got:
**1:30**
